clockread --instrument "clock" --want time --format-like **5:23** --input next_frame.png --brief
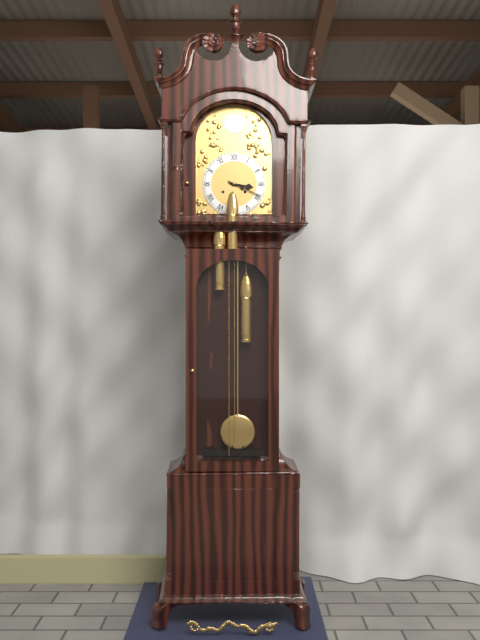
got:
**3:19**
